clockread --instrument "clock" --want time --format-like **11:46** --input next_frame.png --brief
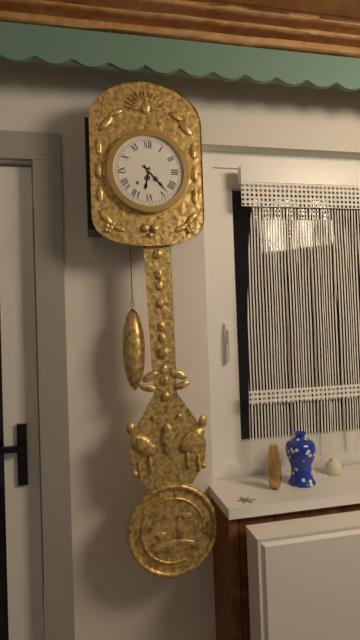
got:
**6:23**
